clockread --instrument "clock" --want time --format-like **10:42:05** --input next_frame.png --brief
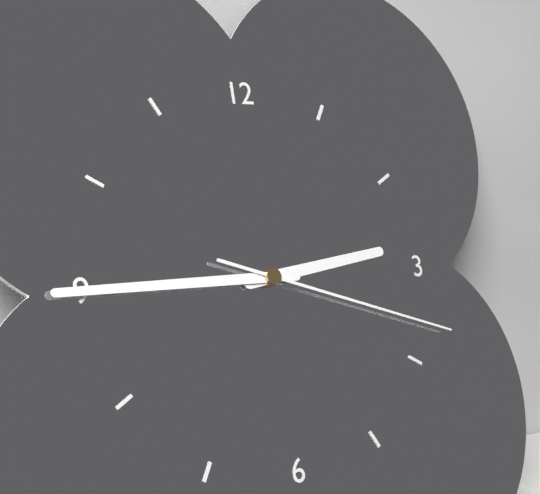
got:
**2:45:18**
